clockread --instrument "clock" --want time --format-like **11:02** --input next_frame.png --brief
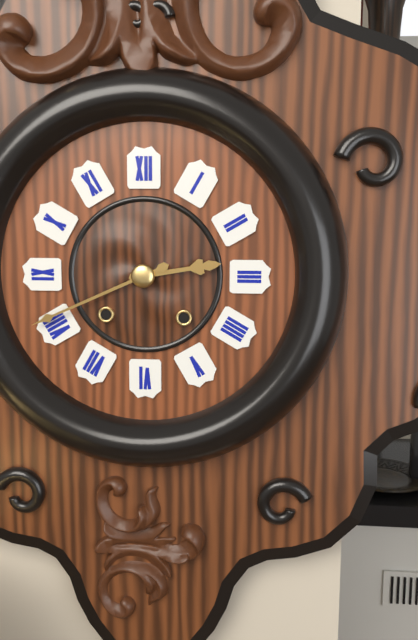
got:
**2:41**
